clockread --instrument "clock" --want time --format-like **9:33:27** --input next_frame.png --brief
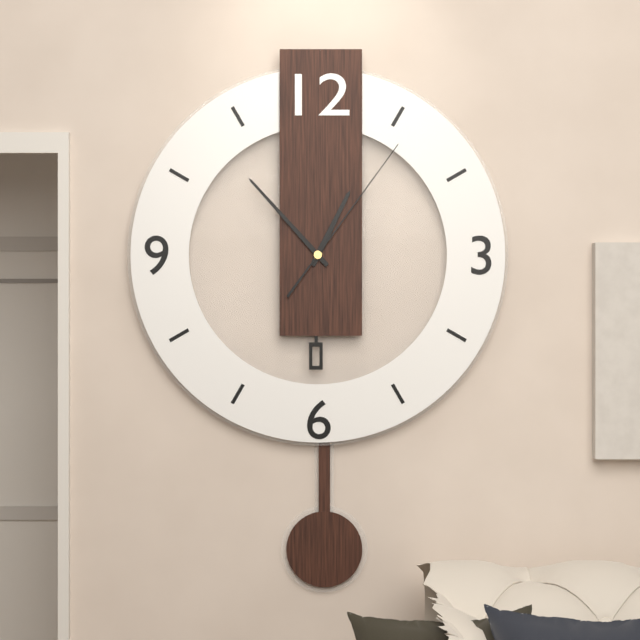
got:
**12:53:06**
